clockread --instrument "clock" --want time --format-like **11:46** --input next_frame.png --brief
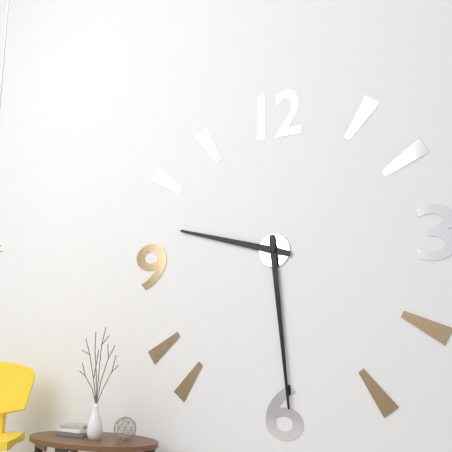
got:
**9:29**
